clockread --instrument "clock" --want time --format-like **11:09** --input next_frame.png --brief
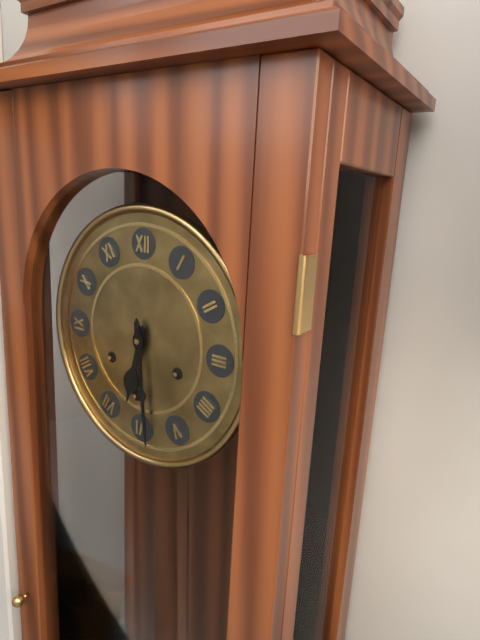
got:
**6:29**
